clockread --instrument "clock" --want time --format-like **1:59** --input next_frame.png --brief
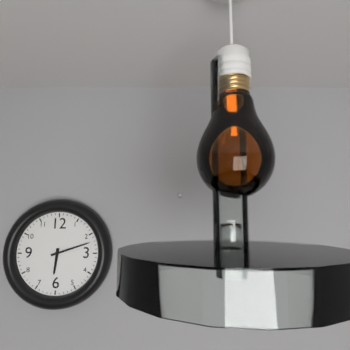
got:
**6:12**
